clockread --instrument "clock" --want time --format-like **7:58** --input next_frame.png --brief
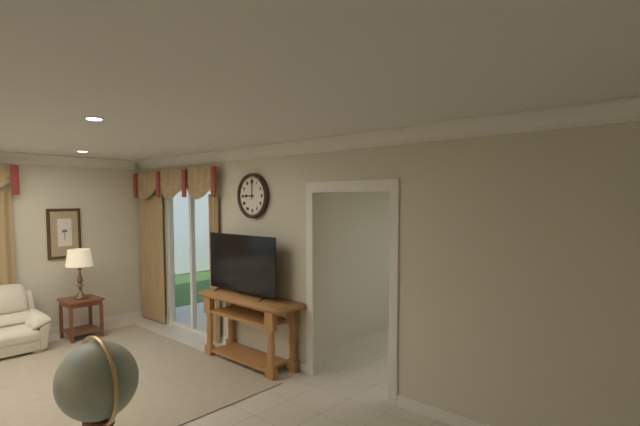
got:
**9:00**
